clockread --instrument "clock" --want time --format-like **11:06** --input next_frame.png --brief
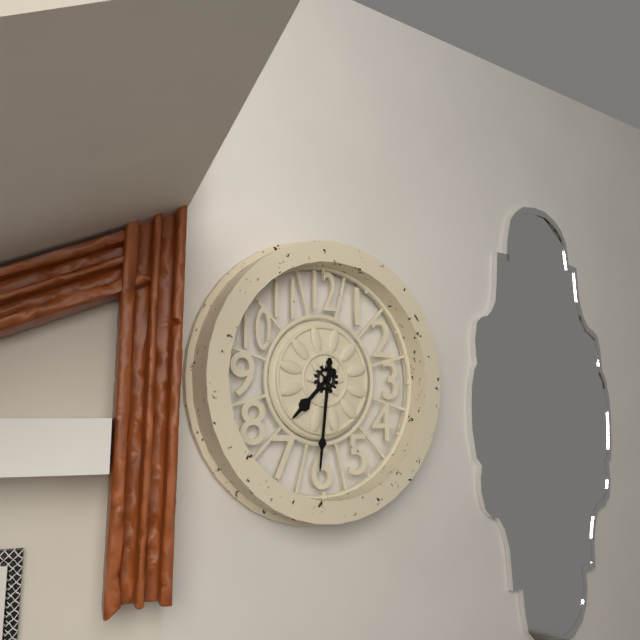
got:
**7:31**
